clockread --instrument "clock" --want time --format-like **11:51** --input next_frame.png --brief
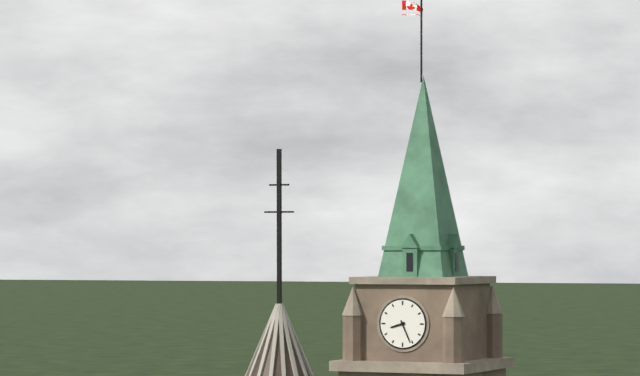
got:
**8:26**
